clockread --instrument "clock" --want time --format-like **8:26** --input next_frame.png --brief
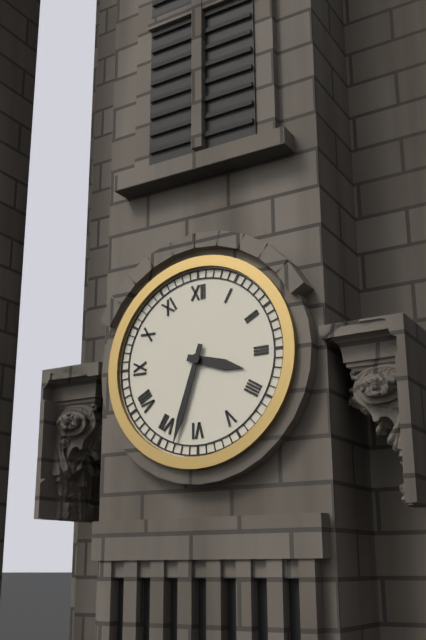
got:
**3:33**
